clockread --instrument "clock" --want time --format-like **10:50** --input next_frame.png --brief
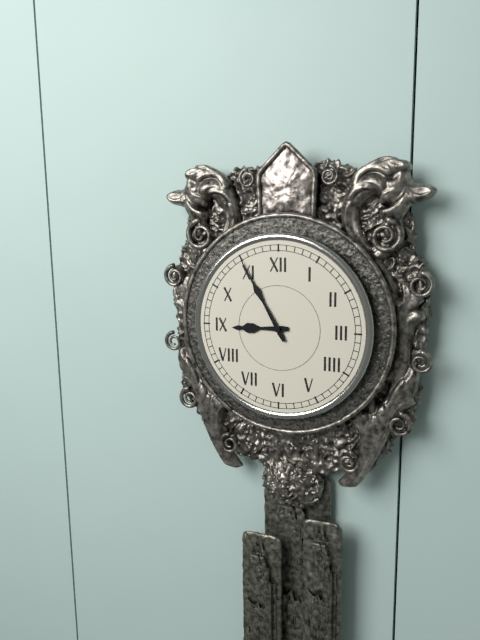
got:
**8:55**
